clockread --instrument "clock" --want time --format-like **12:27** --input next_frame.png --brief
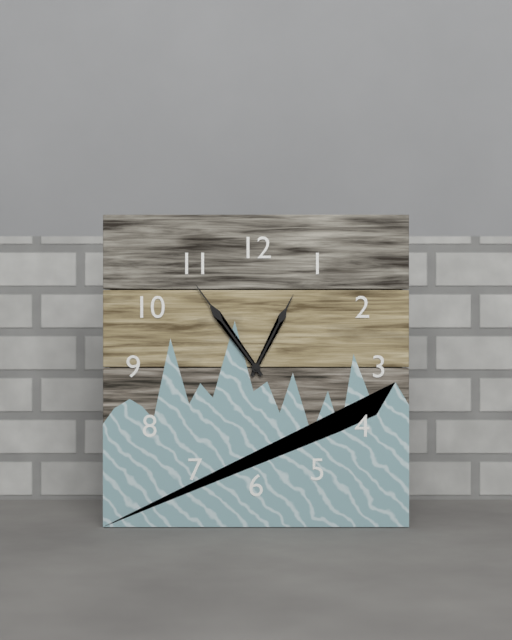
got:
**12:54**
